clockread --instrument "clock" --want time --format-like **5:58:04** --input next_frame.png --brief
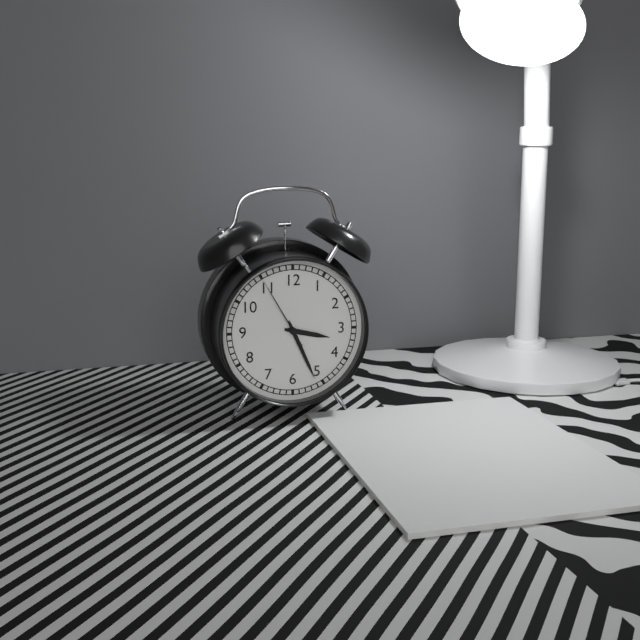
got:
**3:26:55**
